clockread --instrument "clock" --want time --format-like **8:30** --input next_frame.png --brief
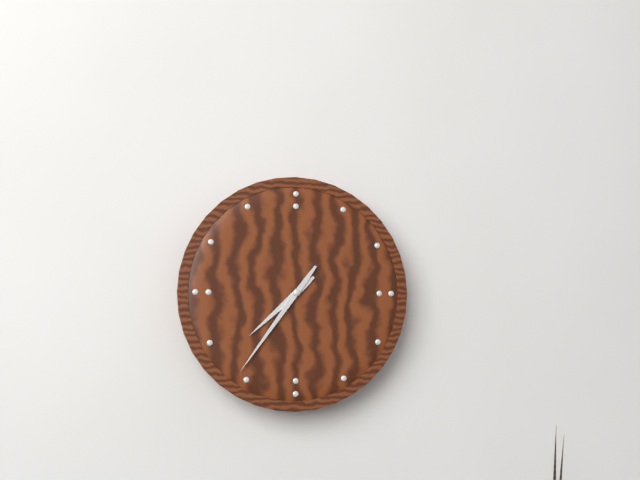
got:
**7:36**
